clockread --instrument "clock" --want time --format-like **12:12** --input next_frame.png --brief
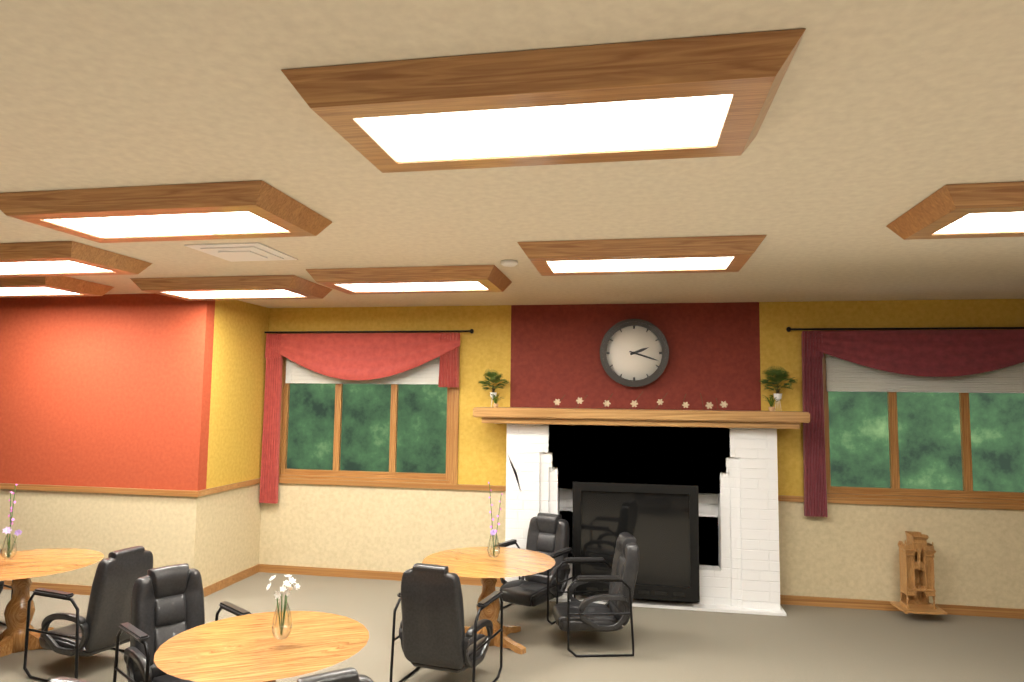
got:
**2:18**
